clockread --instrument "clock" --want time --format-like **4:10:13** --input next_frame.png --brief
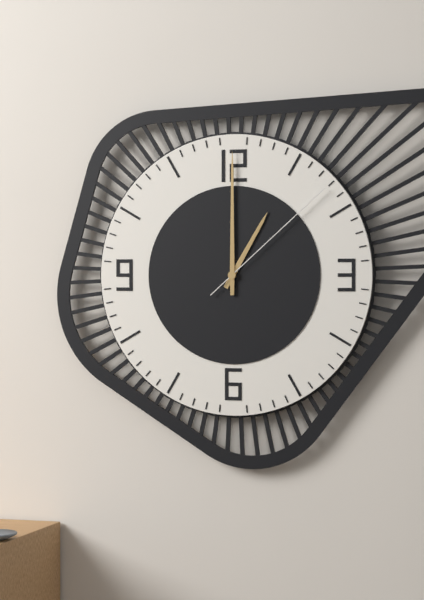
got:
**1:00:08**
